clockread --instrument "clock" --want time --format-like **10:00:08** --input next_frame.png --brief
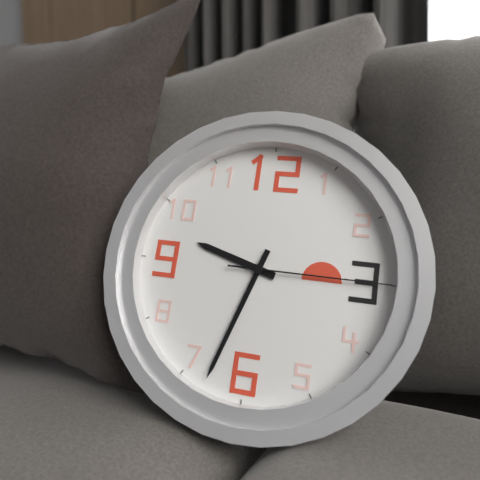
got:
**9:33:15**
